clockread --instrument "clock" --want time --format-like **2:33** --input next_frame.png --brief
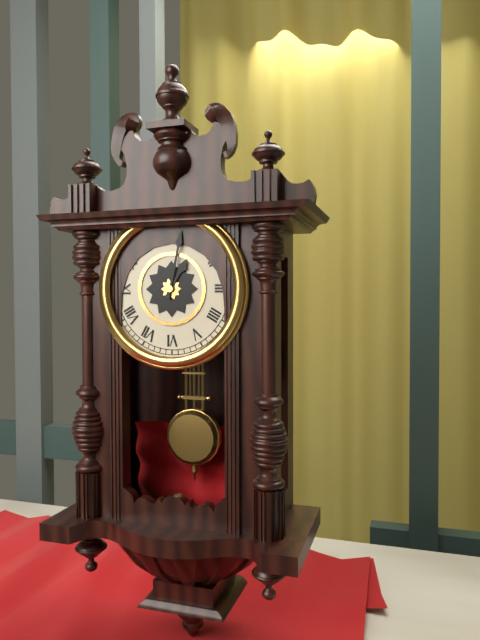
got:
**1:02**
